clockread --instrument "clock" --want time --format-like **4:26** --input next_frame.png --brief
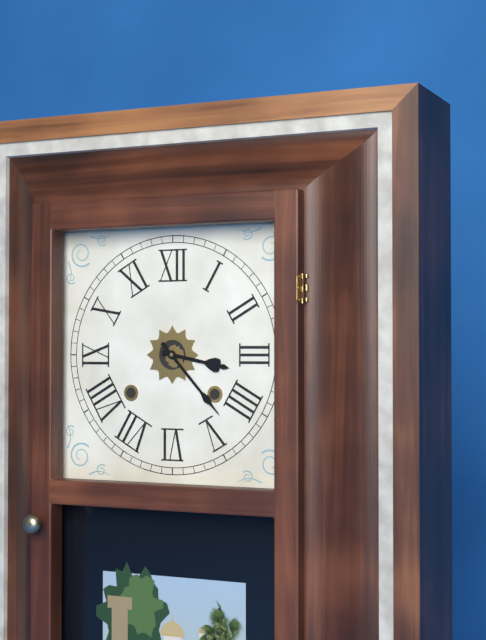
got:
**3:23**
